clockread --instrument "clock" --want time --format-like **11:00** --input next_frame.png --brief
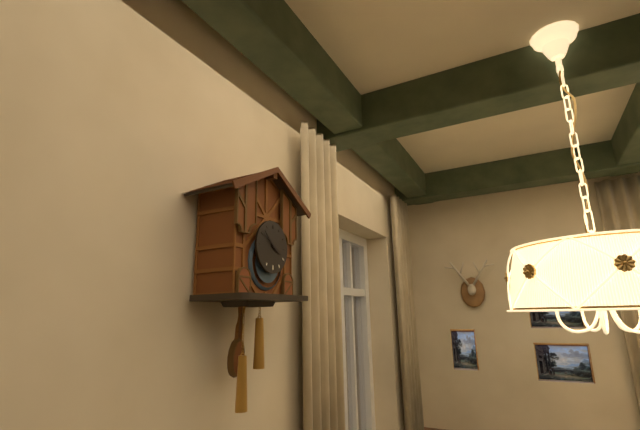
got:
**3:52**
